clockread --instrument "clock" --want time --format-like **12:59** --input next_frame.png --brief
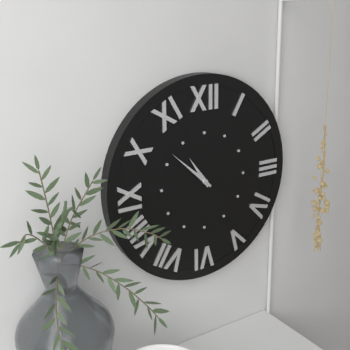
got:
**10:52**
